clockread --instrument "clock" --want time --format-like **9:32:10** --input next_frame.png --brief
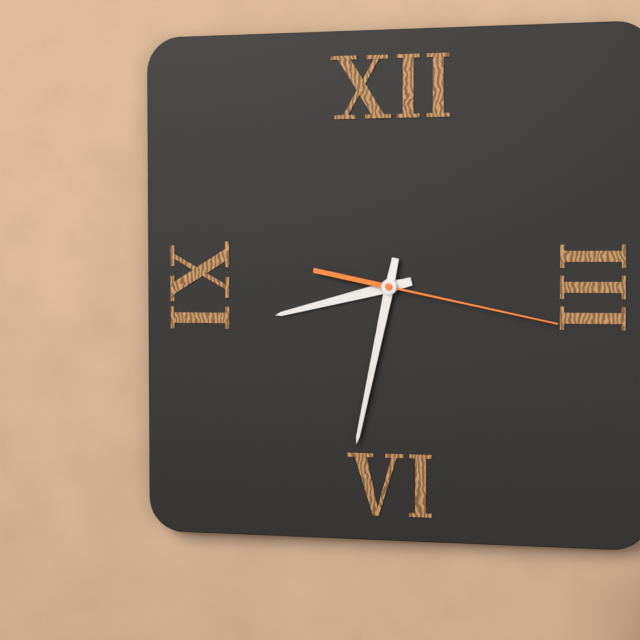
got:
**8:32:17**
